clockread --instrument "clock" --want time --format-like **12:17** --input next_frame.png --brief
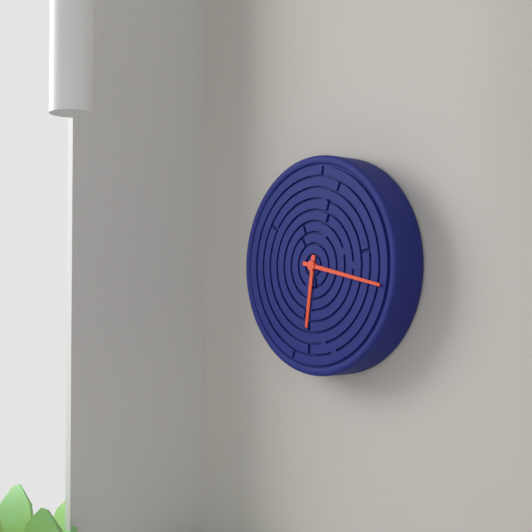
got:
**6:17**
